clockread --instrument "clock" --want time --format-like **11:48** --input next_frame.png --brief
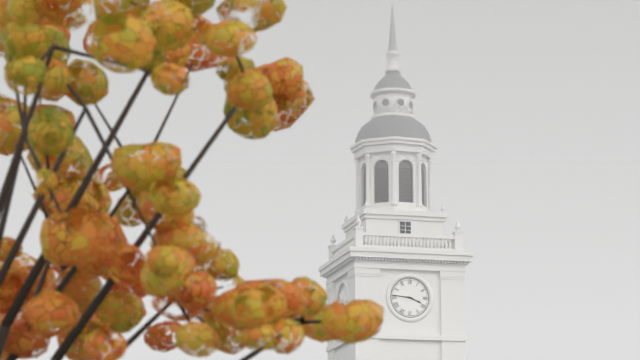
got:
**3:46**
